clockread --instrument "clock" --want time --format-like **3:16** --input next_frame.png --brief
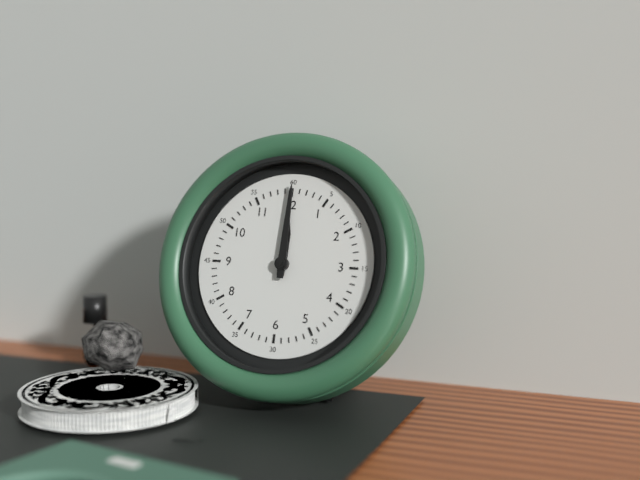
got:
**12:00**
